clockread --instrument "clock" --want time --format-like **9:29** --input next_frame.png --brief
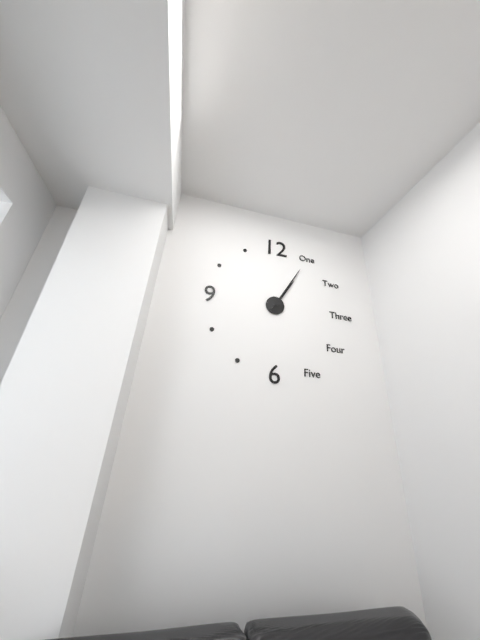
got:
**1:05**
